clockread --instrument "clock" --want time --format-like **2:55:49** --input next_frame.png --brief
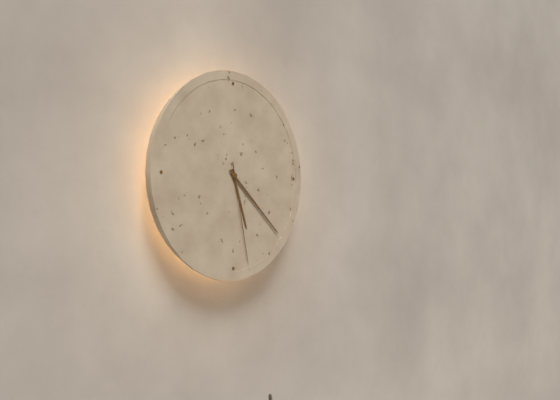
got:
**5:22:28**
